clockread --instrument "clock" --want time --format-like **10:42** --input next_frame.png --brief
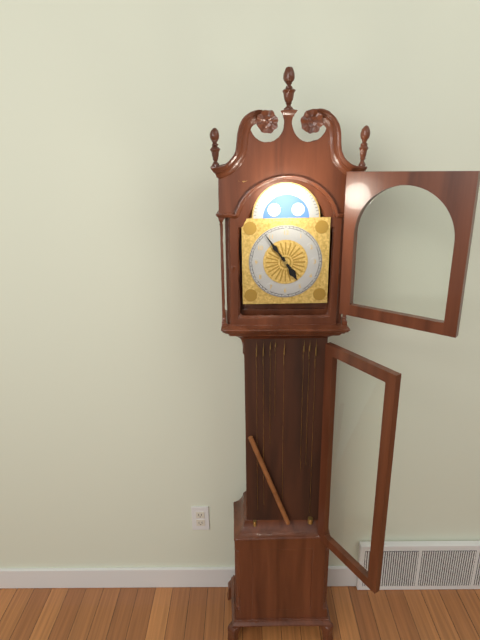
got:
**4:54**
